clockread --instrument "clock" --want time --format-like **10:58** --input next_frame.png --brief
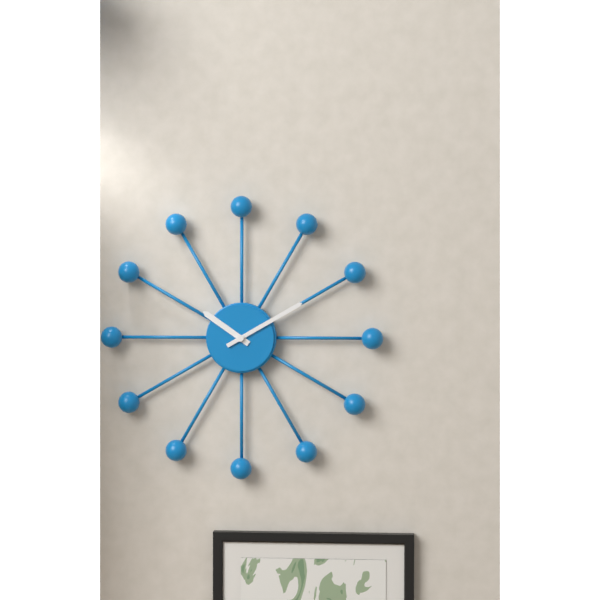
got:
**10:10**
